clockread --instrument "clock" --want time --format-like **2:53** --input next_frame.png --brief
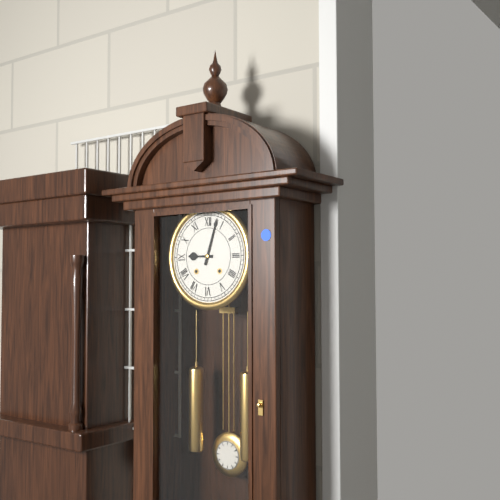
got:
**9:03**
